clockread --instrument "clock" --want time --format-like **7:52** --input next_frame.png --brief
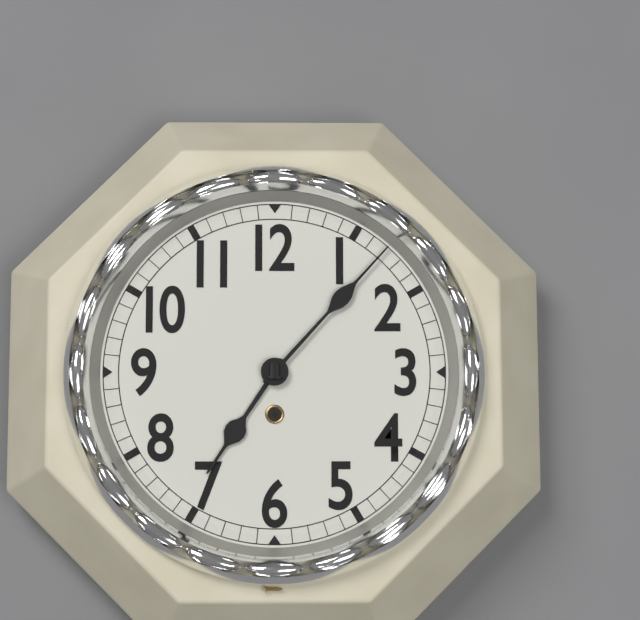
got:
**7:07**
